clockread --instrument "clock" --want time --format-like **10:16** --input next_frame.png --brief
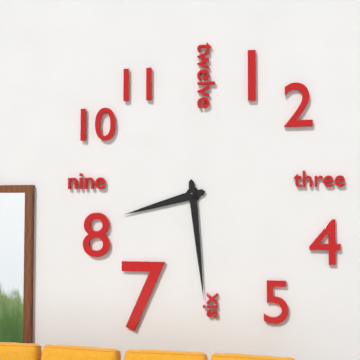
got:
**8:29**
